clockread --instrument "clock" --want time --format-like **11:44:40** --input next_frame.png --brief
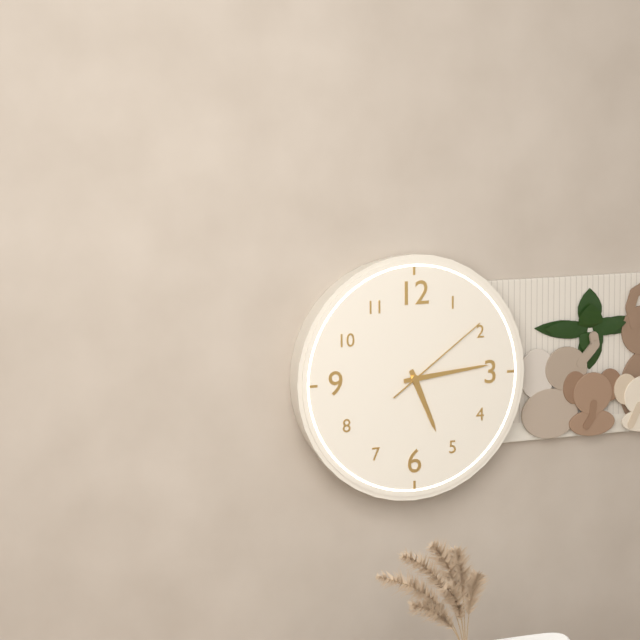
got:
**5:14:09**
